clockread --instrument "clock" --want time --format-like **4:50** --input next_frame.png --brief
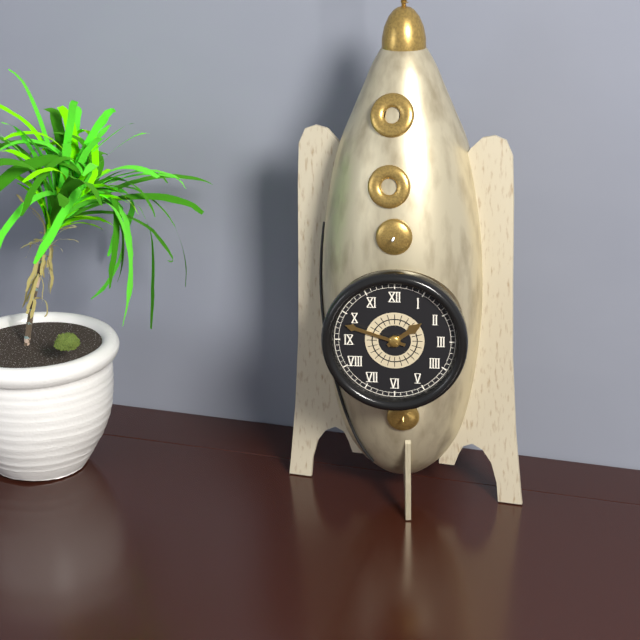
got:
**1:48**
